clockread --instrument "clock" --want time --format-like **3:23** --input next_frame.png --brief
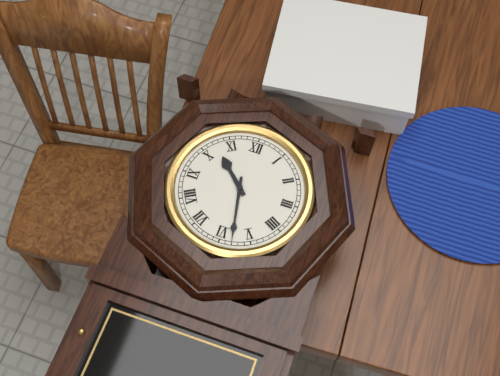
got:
**10:28**
